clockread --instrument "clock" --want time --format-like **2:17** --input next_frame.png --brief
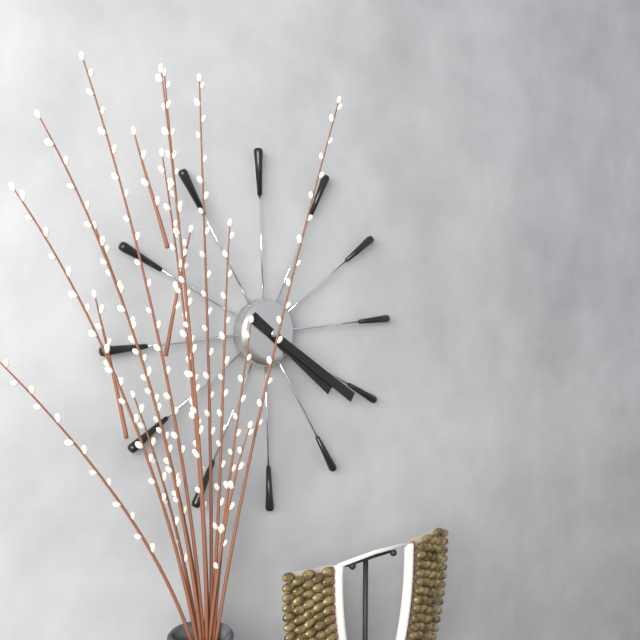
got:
**4:21**
